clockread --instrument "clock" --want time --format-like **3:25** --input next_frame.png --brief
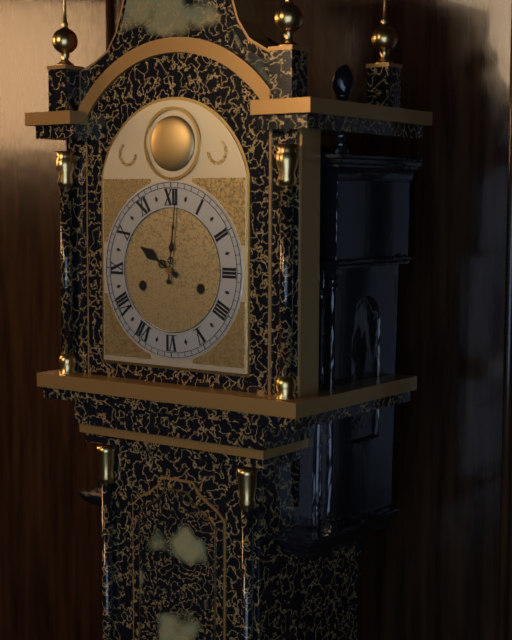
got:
**10:01**
